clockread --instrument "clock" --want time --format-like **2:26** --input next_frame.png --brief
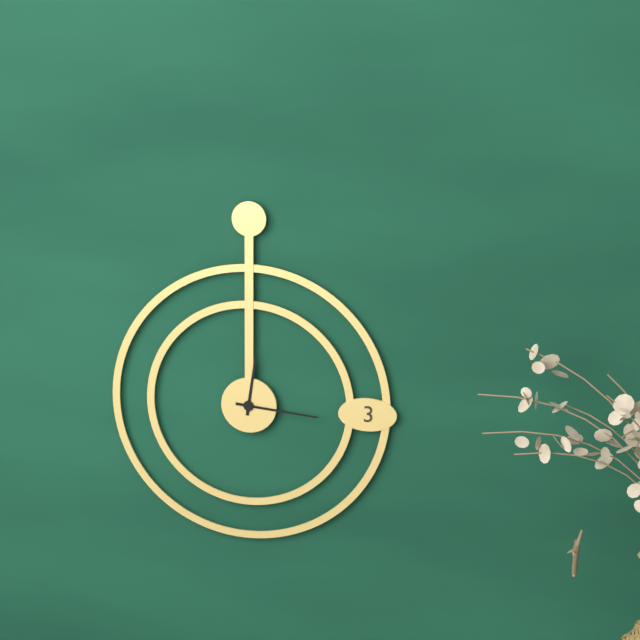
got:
**12:16**
